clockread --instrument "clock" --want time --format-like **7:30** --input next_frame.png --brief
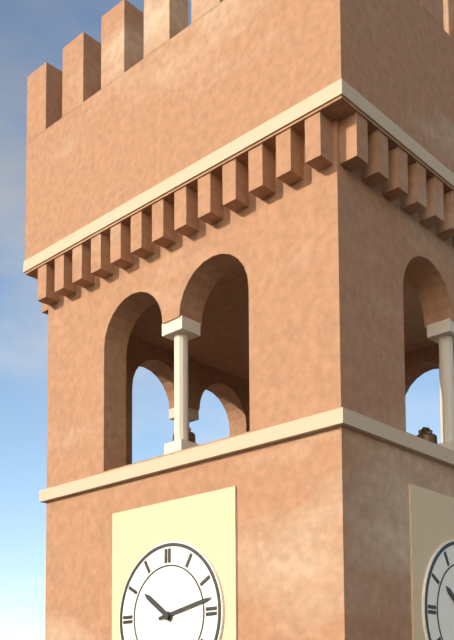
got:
**10:13**
